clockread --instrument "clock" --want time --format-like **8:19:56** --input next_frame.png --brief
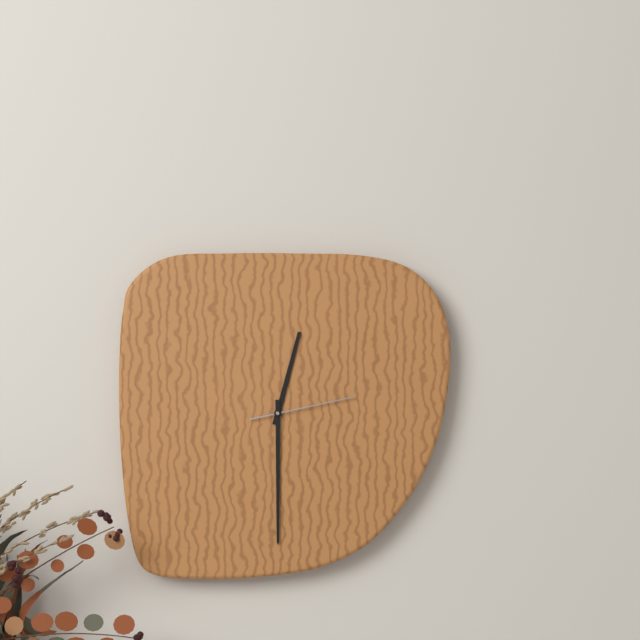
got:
**12:30:13**
